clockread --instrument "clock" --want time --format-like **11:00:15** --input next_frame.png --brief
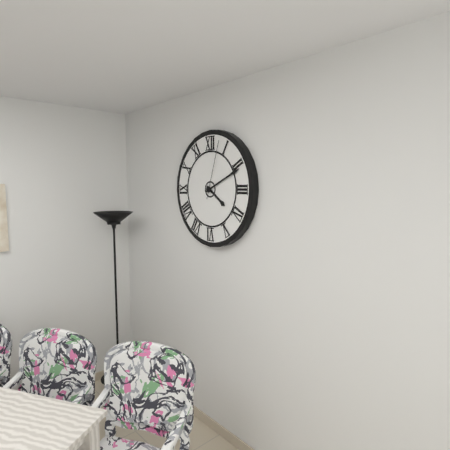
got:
**4:11:03**
